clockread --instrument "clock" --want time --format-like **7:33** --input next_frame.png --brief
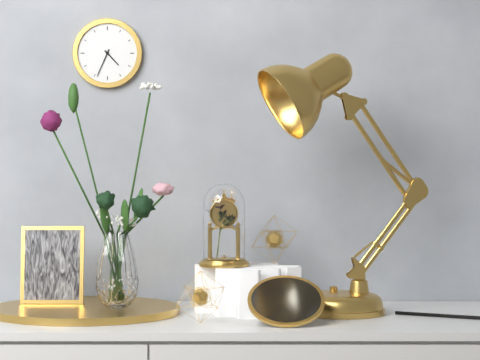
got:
**4:34**
